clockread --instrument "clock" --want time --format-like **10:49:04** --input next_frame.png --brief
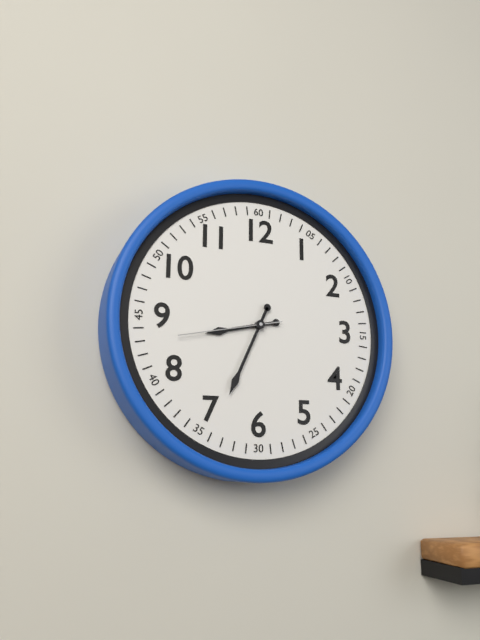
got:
**8:34:43**
